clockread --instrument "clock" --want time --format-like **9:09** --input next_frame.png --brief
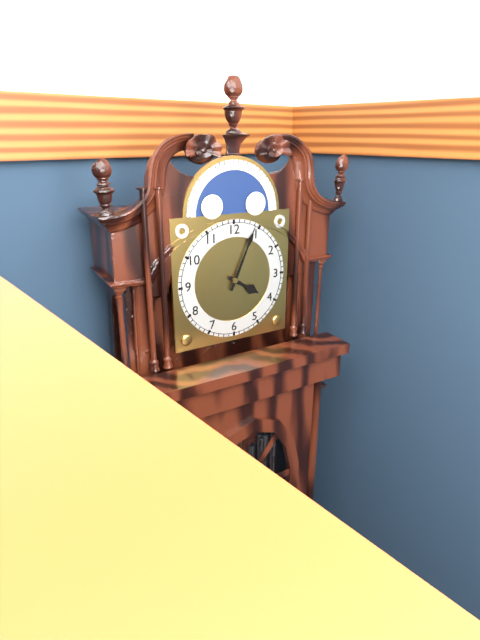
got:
**4:04**
